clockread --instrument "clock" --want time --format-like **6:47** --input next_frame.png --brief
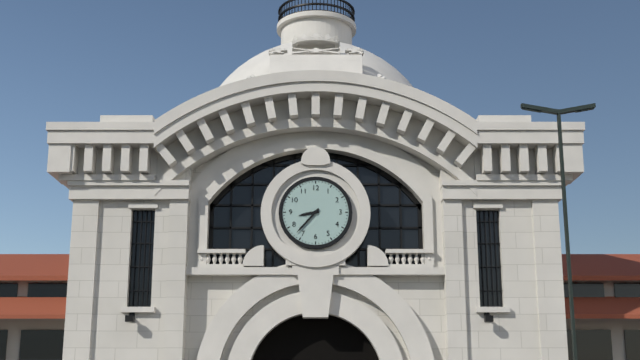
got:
**8:37**
